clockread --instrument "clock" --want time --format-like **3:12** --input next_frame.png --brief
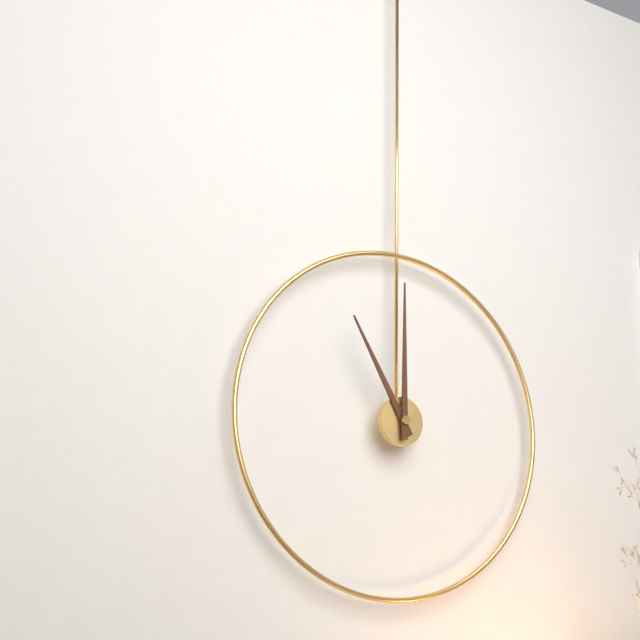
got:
**11:00**
